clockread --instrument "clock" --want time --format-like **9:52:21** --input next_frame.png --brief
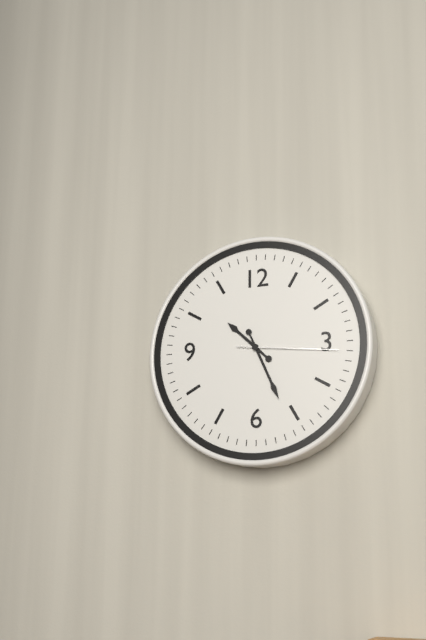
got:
**10:26:16**
